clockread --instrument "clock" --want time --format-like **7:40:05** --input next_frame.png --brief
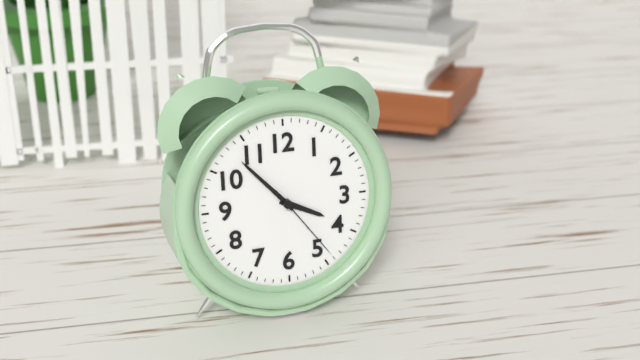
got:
**3:53:24**
